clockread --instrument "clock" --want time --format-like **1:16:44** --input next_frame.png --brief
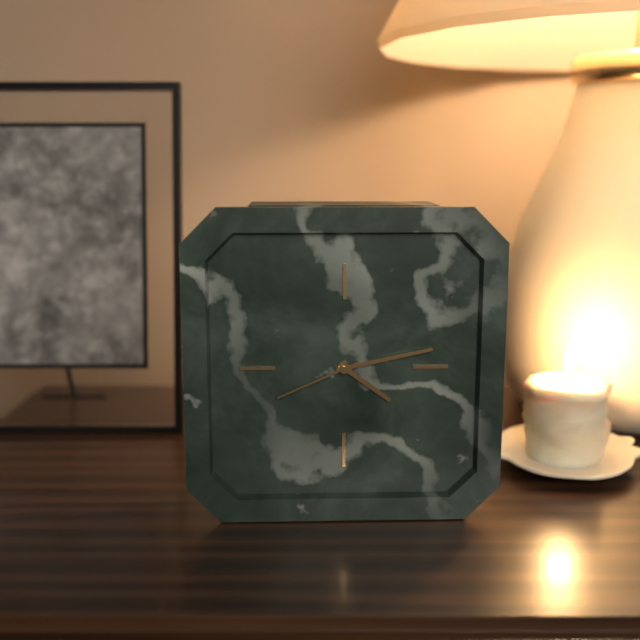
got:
**4:13:41**
